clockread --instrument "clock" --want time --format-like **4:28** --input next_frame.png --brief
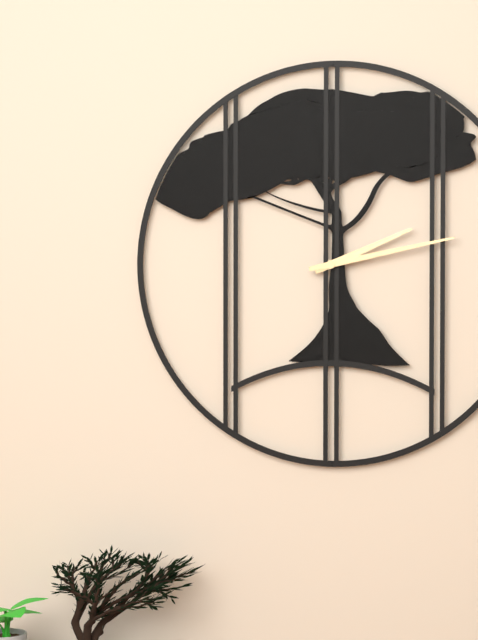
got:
**2:13**
